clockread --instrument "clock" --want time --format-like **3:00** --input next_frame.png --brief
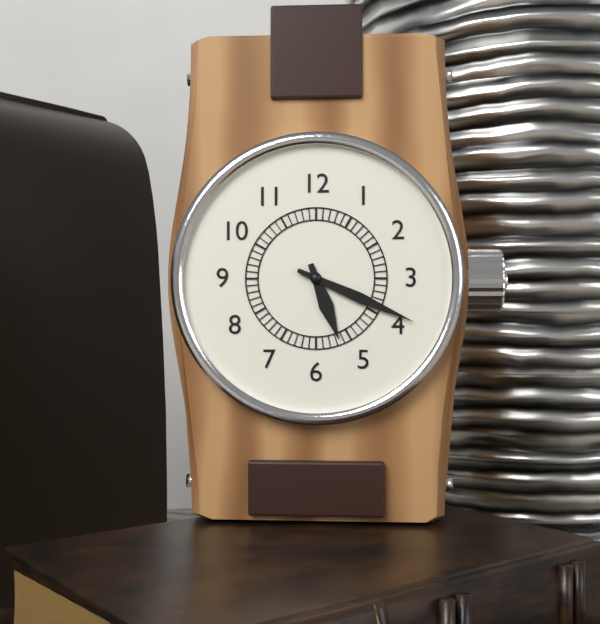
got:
**5:19**
